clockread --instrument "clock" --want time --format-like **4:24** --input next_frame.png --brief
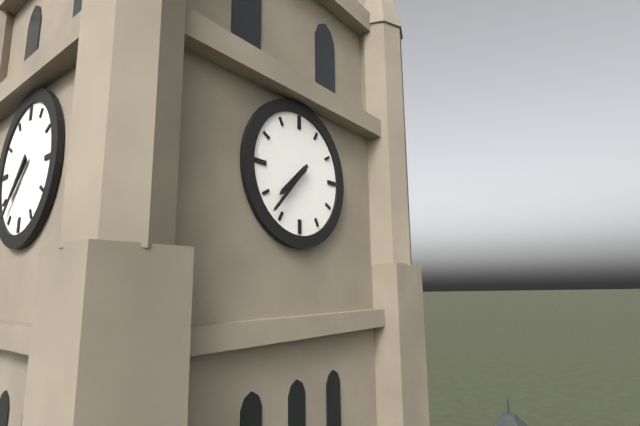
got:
**7:37**
